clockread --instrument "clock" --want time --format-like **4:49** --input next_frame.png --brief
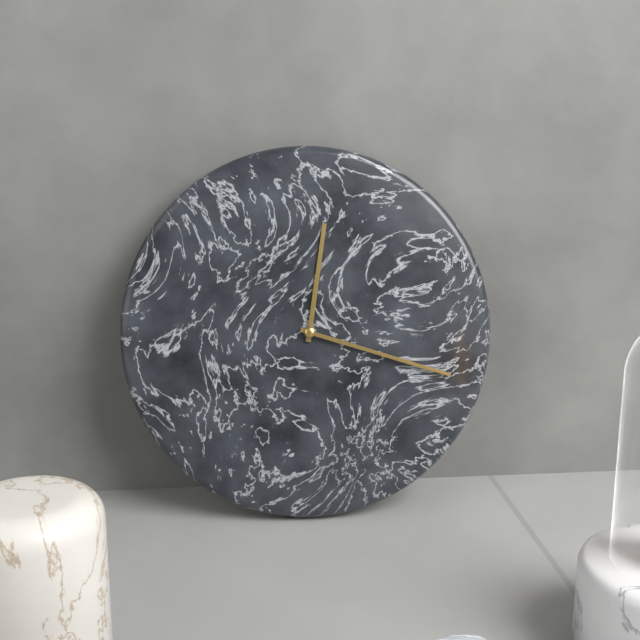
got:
**12:18**
